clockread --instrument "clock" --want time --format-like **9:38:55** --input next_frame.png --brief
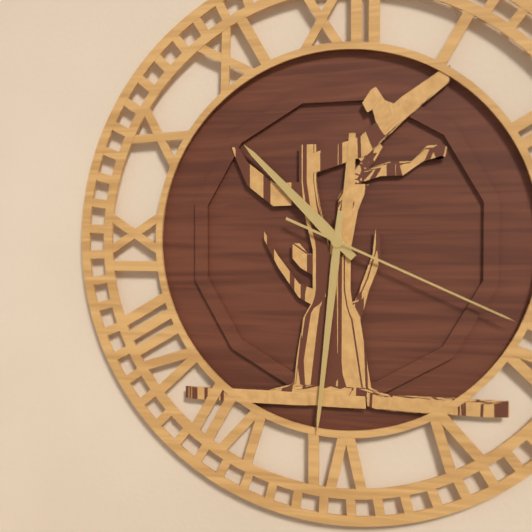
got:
**10:31:19**
